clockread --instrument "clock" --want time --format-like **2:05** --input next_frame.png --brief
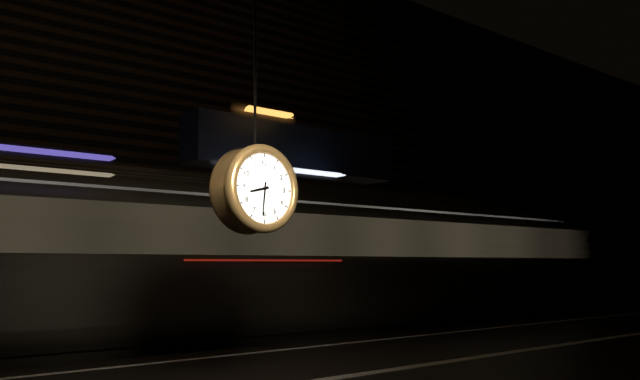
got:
**8:31**
